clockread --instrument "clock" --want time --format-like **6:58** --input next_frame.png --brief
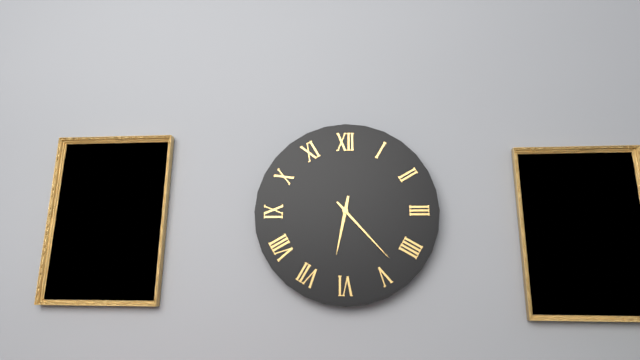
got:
**6:23**
